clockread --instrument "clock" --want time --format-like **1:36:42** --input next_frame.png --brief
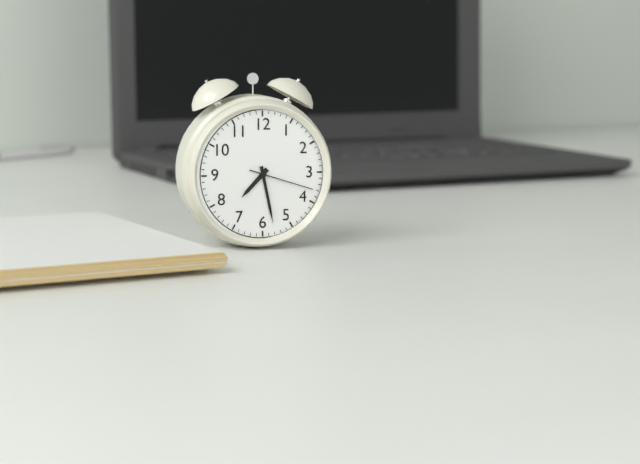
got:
**7:28:18**
